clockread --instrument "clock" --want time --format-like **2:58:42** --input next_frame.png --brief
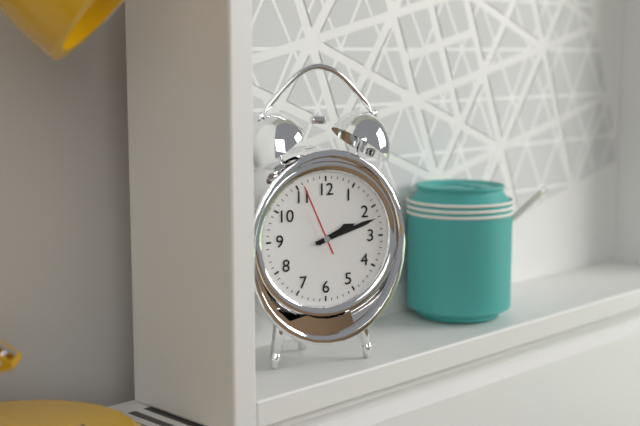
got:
**2:12:56**
